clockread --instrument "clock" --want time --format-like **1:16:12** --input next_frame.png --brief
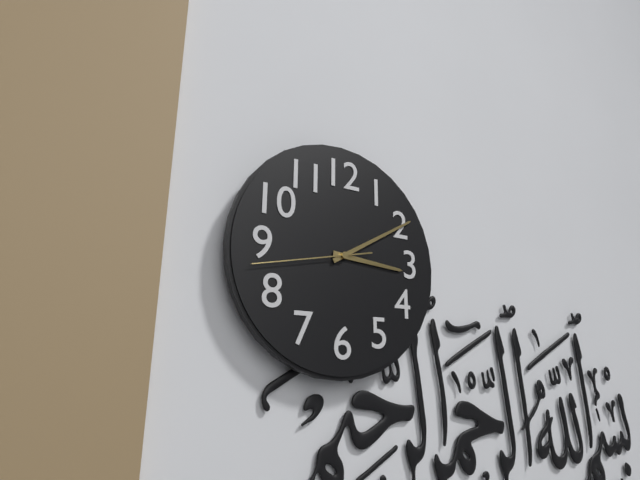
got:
**3:10:43**
